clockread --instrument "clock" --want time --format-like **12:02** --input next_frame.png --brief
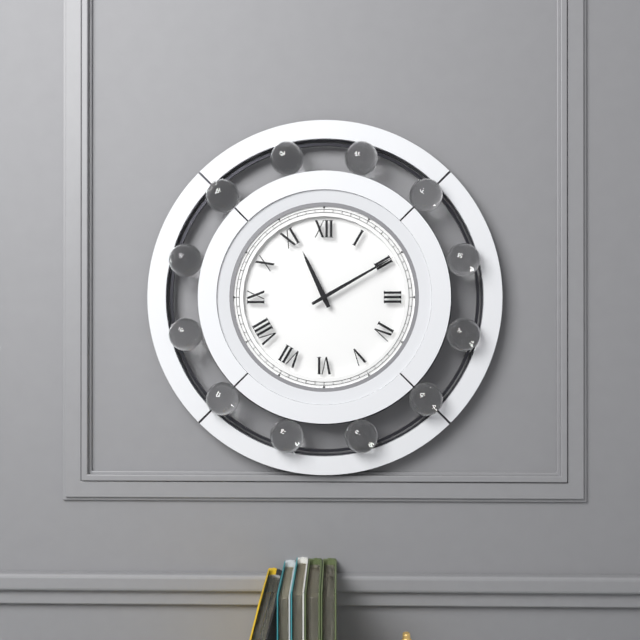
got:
**11:10**
